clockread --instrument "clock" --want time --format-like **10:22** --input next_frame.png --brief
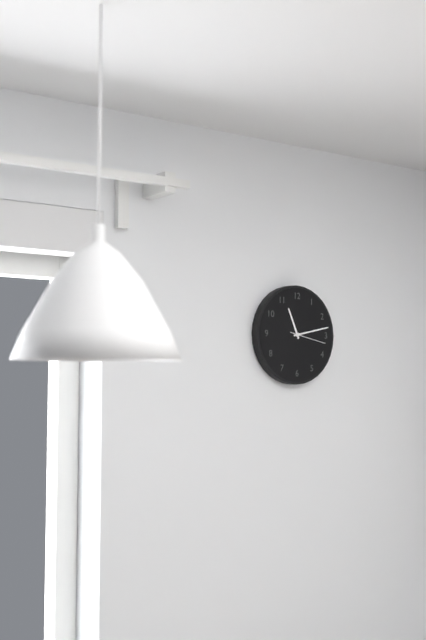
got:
**11:13**
